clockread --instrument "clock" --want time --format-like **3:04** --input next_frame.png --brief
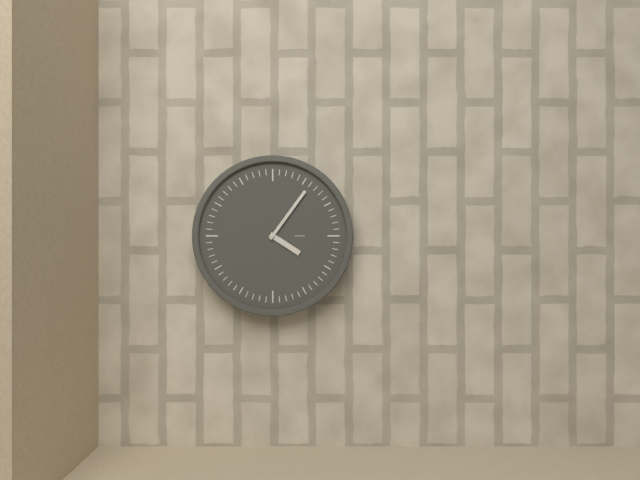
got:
**4:06**
